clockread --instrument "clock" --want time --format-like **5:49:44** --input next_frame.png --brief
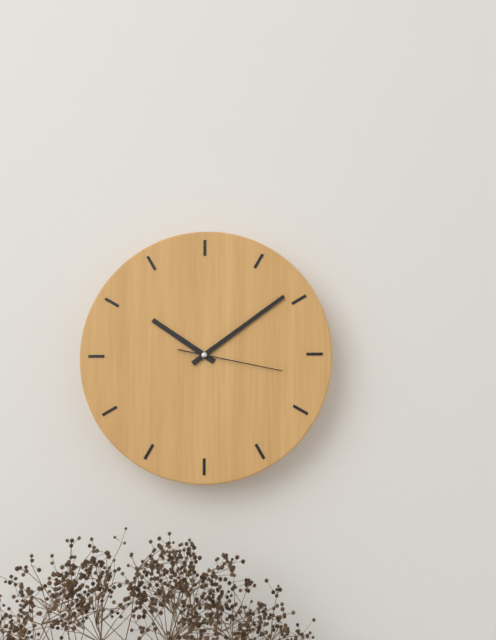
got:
**10:09:17**
